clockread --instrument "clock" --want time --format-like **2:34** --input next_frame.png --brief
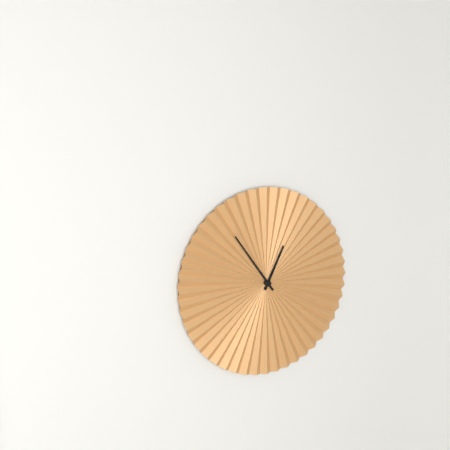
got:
**12:54**
